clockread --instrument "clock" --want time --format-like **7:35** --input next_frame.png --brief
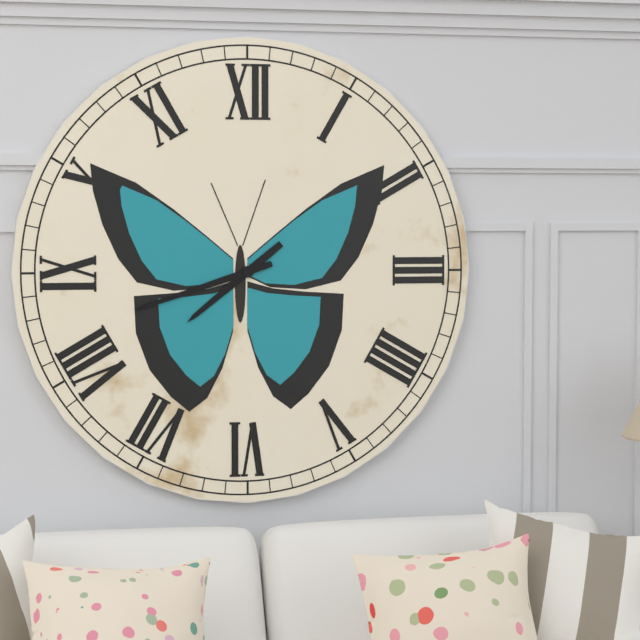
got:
**7:42**
